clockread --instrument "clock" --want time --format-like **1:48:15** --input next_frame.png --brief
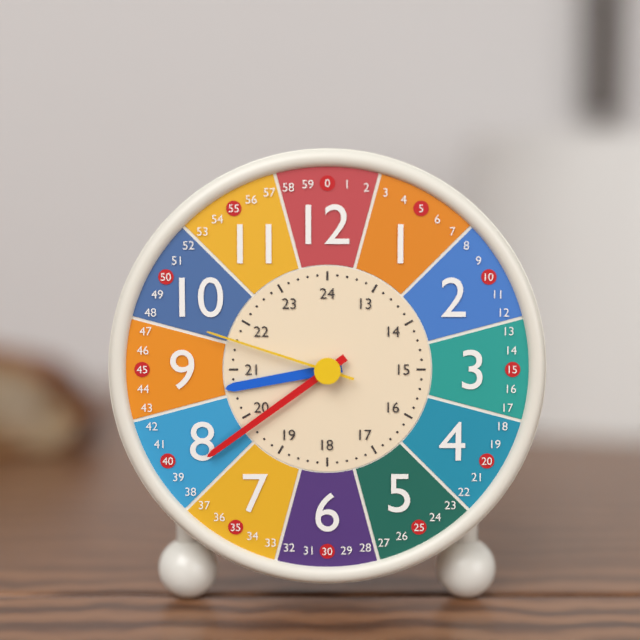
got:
**8:39:48**
